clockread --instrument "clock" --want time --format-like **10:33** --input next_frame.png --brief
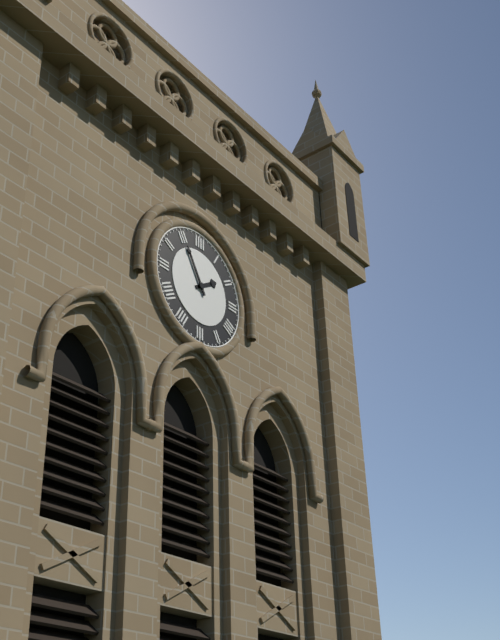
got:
**1:55**
